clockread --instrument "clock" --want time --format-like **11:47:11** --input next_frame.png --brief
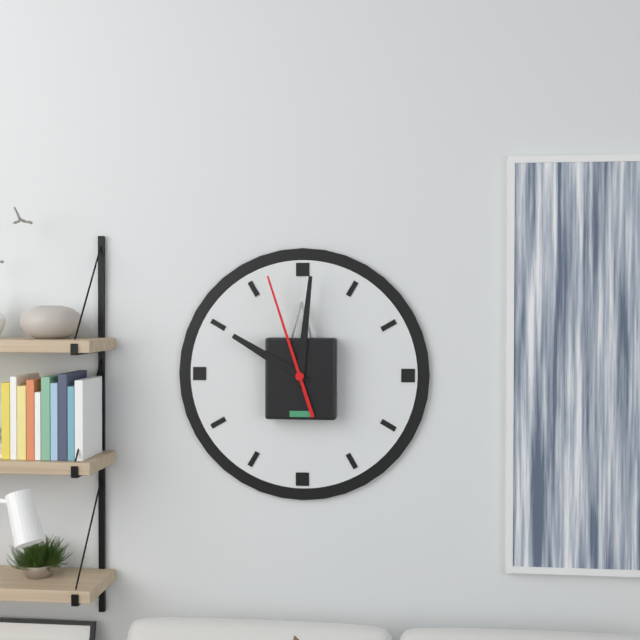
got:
**10:01:57**
